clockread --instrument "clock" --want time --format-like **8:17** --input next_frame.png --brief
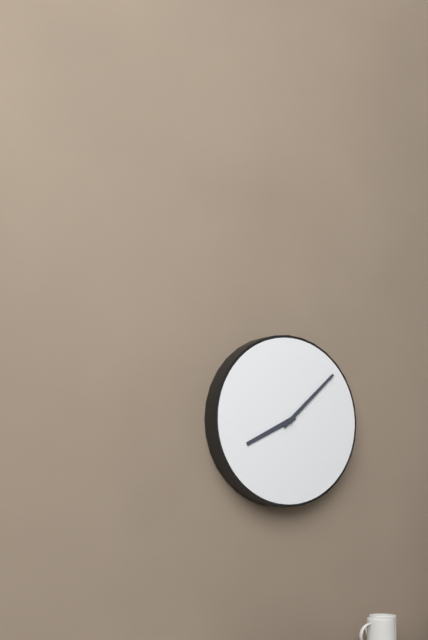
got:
**8:08**
